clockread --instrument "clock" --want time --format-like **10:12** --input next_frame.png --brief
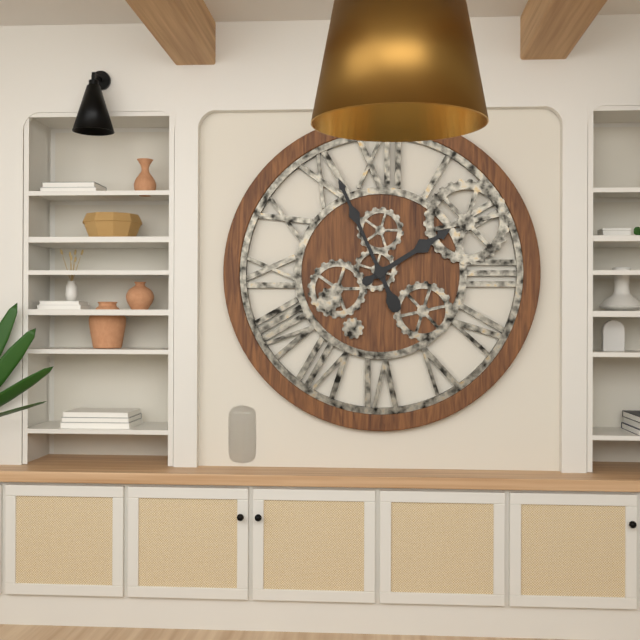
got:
**1:56**
